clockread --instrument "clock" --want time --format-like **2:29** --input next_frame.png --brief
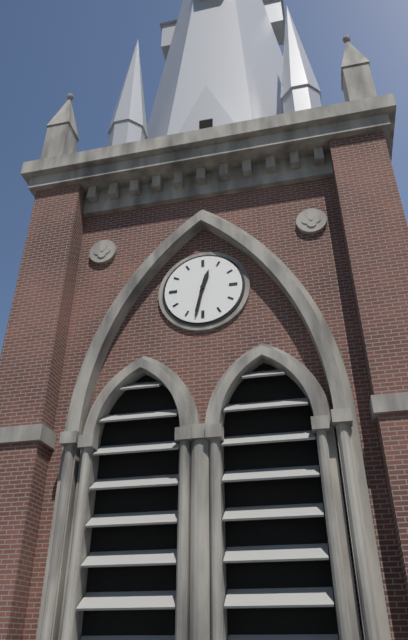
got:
**12:32**
